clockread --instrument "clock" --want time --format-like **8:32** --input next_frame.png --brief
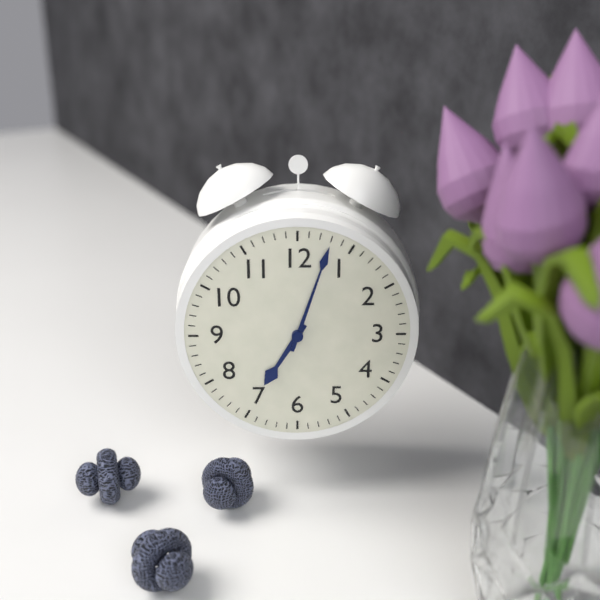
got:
**7:03**
